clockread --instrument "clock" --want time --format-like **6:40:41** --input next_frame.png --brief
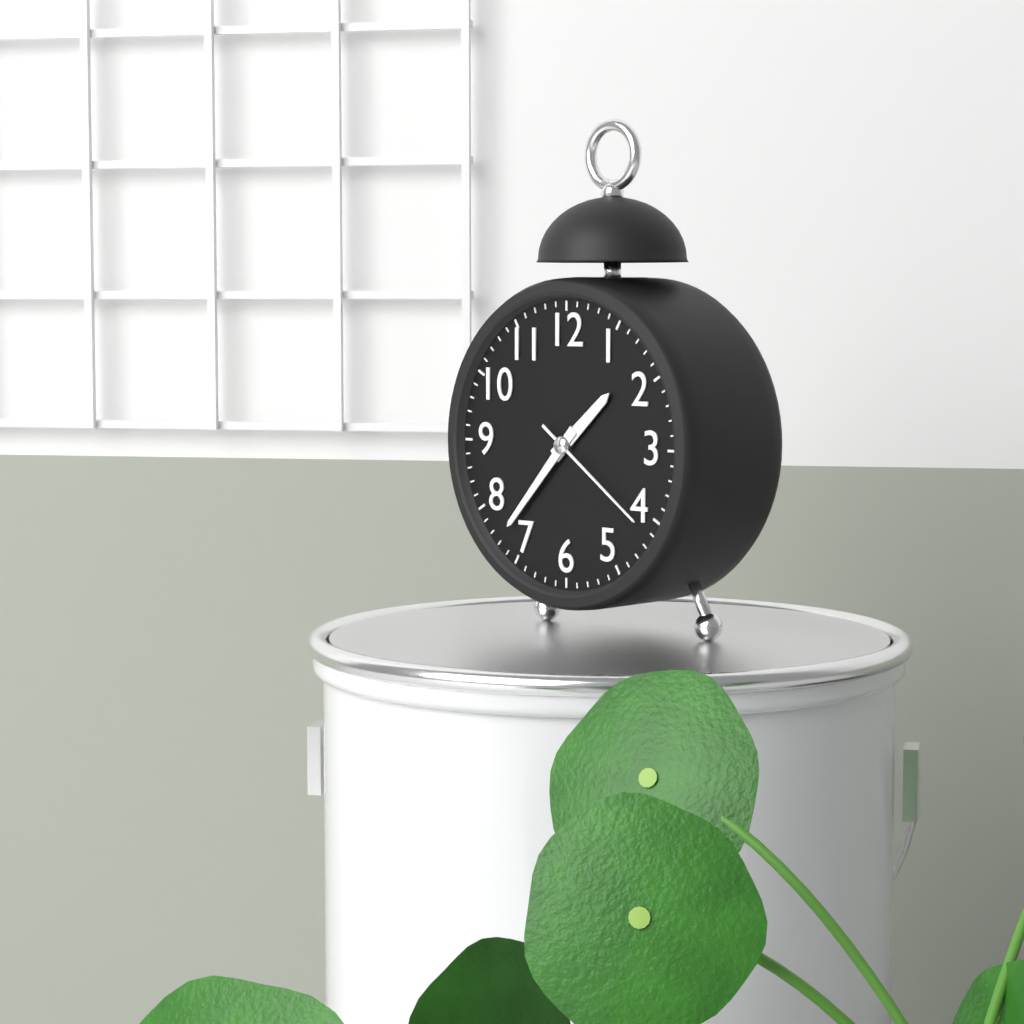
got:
**1:37:21**
